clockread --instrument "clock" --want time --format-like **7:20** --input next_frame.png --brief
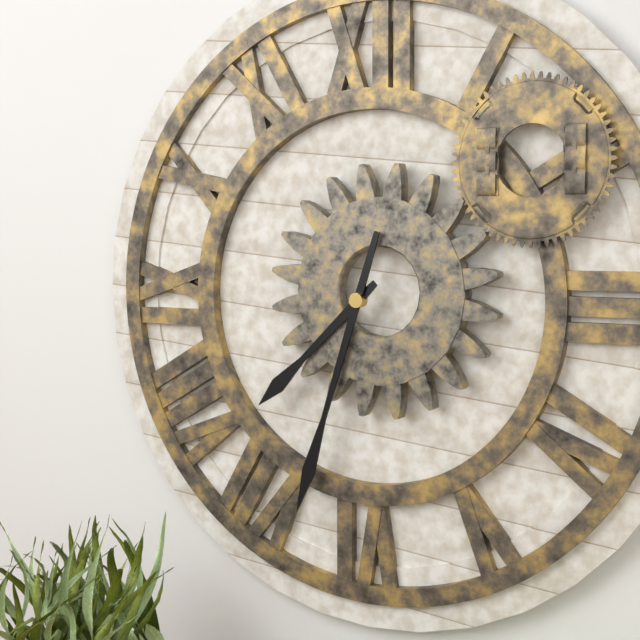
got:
**7:33**
